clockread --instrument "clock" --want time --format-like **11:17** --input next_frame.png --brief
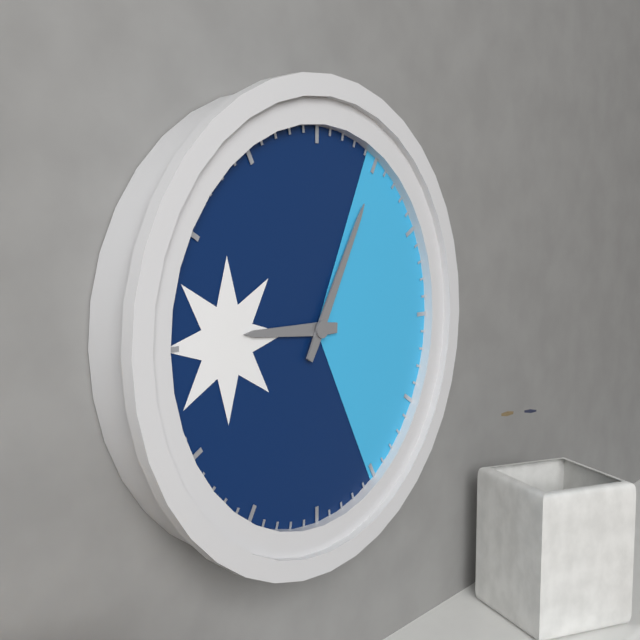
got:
**9:05**
